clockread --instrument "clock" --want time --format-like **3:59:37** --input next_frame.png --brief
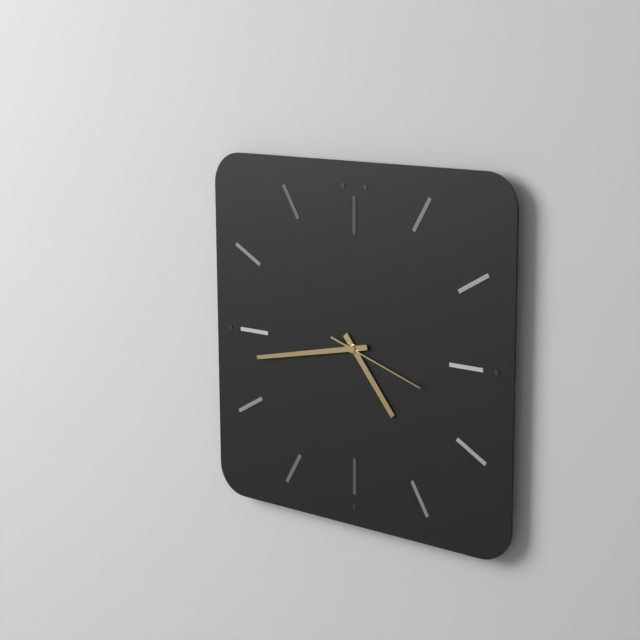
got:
**4:43:18**
